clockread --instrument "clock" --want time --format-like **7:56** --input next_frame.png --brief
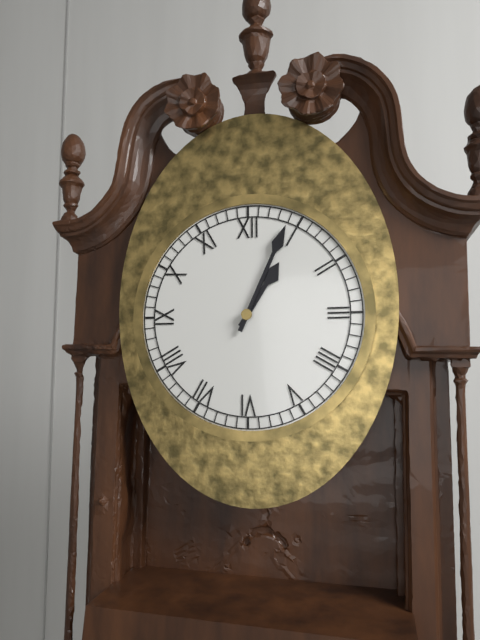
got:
**1:04**
